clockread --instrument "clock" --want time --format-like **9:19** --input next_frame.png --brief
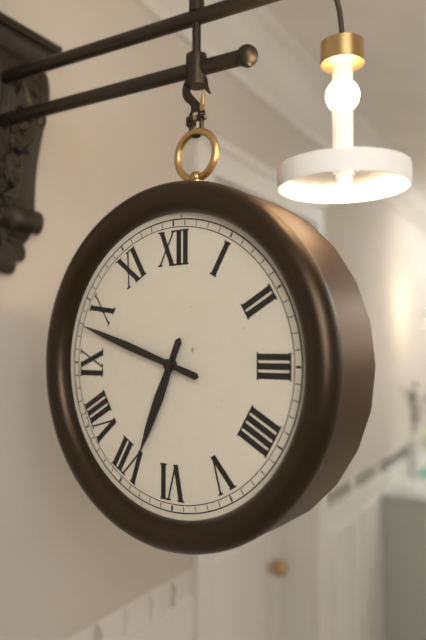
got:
**6:48**
